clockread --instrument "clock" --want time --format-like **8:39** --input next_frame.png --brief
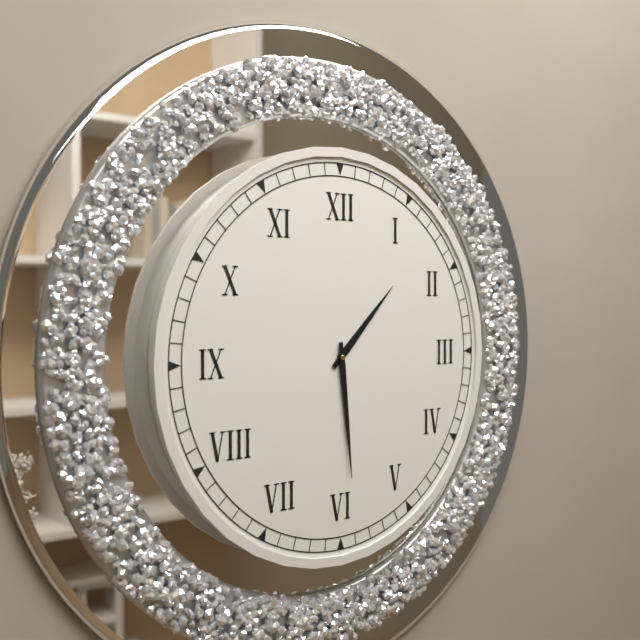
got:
**1:29**
